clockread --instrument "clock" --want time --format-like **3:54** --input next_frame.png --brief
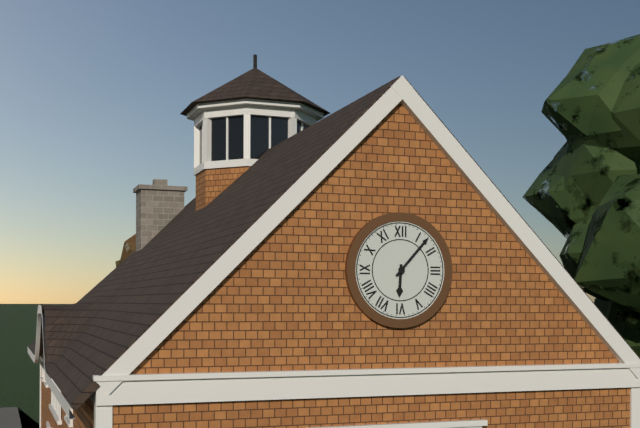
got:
**6:07**
